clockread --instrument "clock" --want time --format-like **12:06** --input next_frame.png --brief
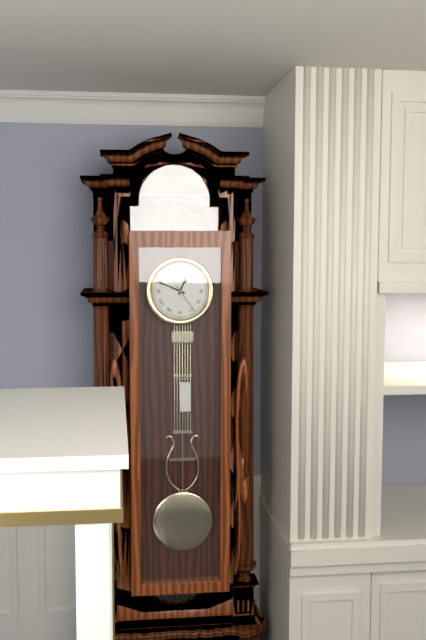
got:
**12:49**
